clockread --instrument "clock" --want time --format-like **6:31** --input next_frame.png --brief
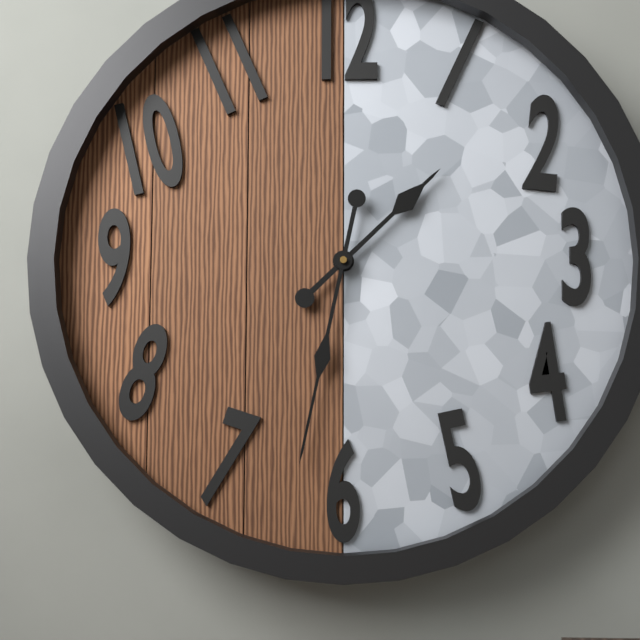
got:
**1:32**
